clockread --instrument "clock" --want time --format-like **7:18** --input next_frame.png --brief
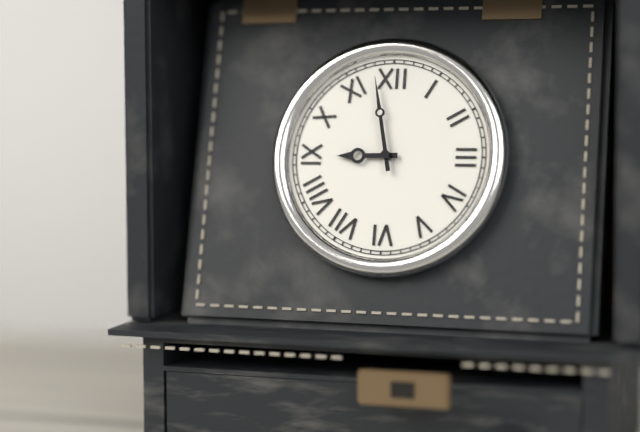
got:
**8:58**
